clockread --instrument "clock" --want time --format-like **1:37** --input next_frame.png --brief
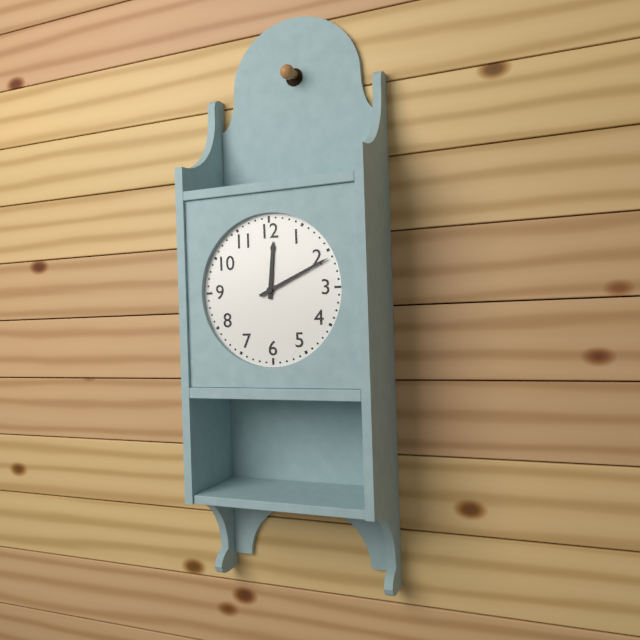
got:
**12:11**
